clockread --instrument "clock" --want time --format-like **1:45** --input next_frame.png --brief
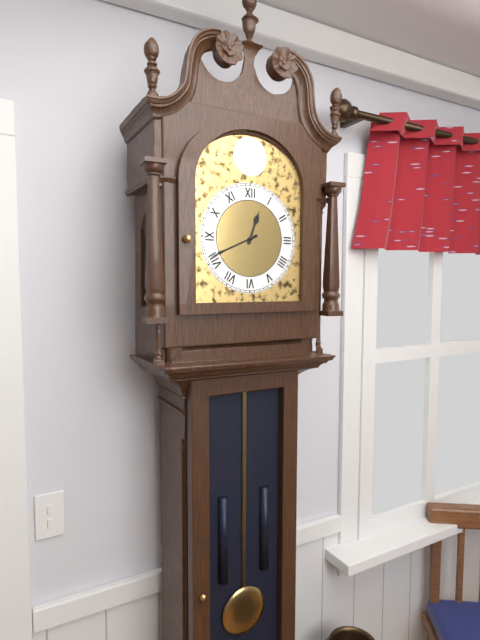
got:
**12:41**
